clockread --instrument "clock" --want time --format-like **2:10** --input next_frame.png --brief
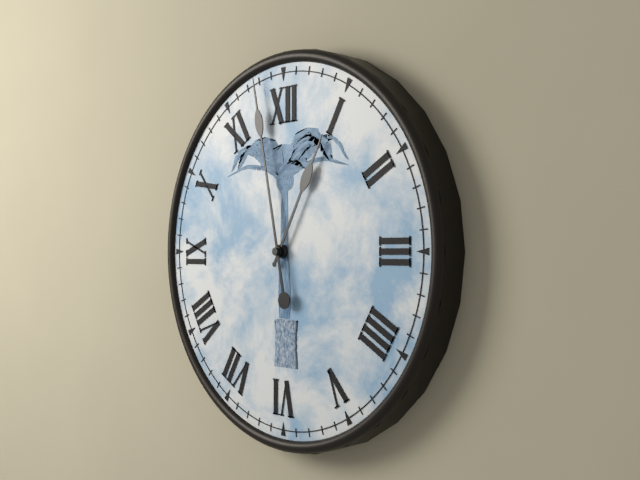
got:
**12:58**
